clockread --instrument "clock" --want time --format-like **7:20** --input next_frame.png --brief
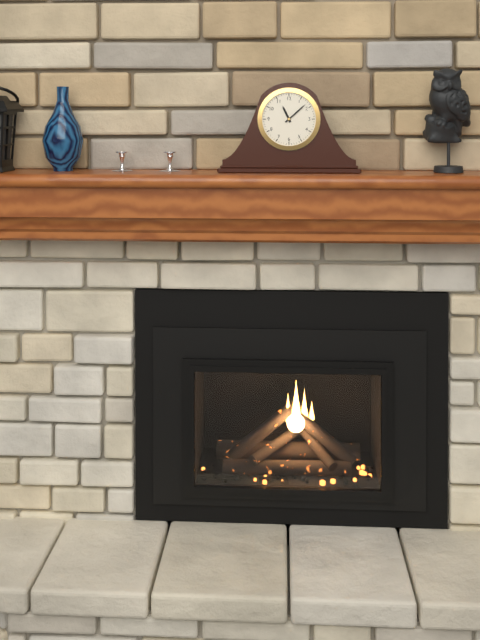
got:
**11:08**
